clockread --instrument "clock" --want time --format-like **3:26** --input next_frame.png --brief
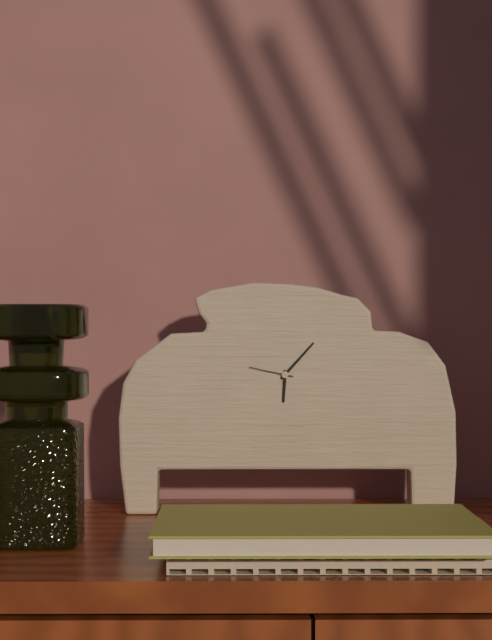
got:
**6:07**
